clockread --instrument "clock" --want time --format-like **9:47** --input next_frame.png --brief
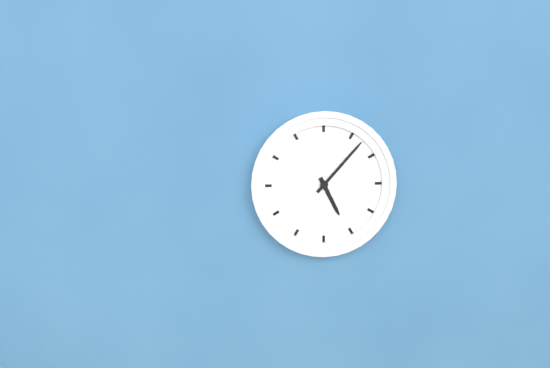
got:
**5:07**
